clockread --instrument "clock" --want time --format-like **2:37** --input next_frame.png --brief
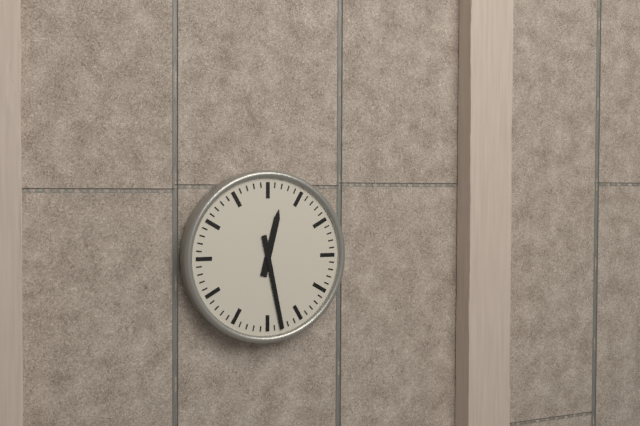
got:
**12:28**
